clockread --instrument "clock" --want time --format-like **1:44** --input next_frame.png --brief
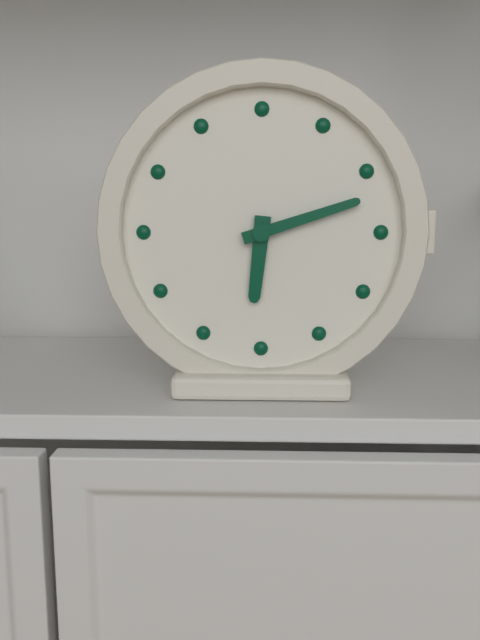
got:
**6:12**
